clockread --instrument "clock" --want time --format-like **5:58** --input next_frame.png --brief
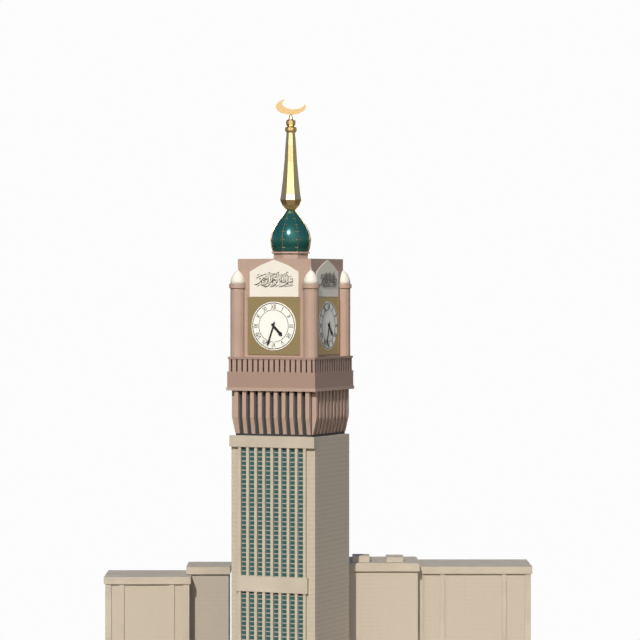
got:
**4:33**
